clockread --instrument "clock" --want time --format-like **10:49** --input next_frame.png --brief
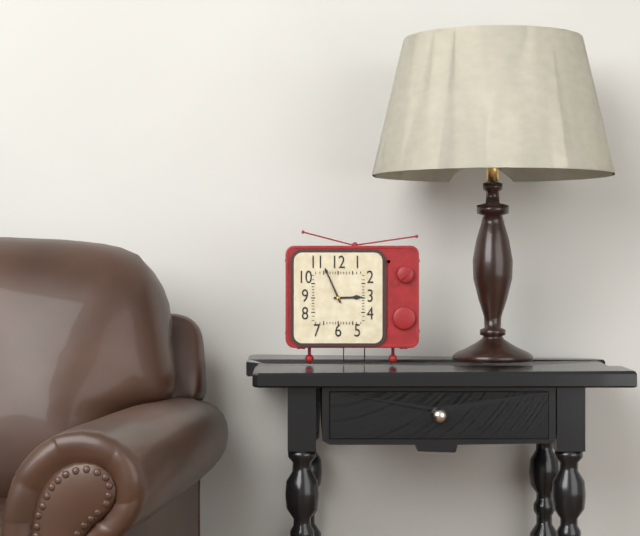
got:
**2:56**
